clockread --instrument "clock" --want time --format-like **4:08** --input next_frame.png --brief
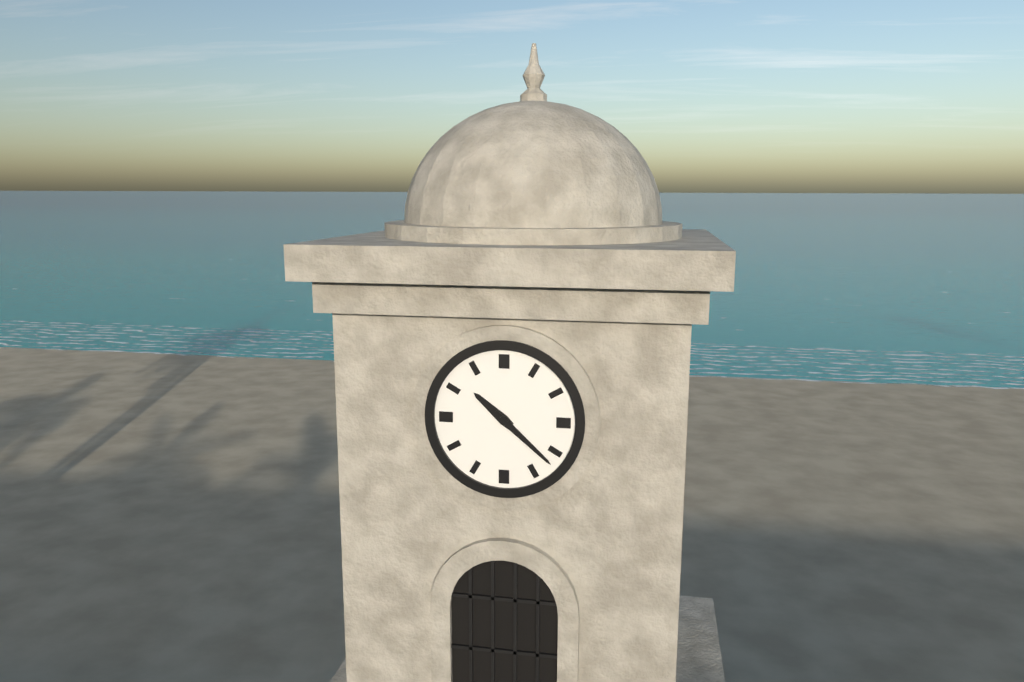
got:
**10:22**
